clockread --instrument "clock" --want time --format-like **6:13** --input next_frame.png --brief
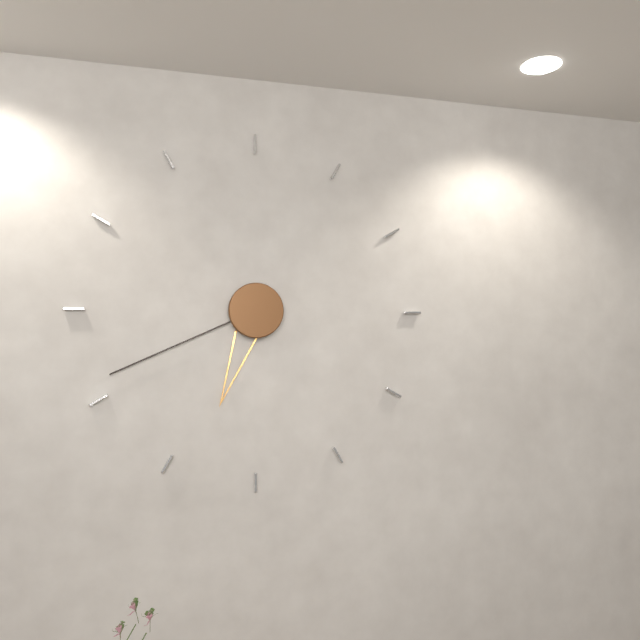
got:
**6:41**
